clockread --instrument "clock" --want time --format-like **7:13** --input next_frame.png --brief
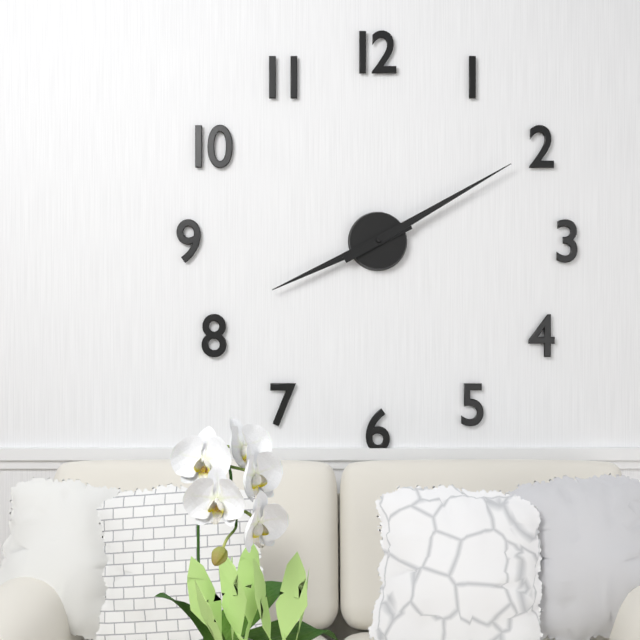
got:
**8:10**
